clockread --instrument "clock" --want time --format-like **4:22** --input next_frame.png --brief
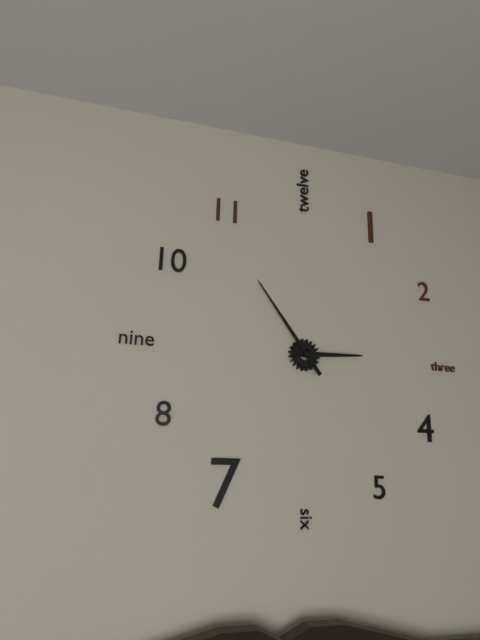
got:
**2:54**
